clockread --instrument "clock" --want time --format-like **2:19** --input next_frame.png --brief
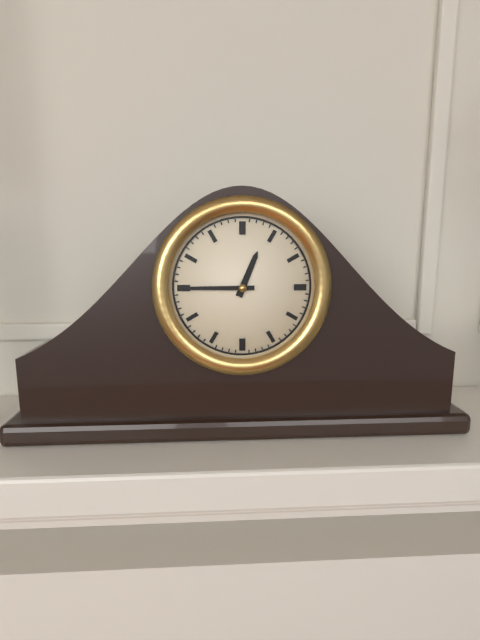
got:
**12:45**
